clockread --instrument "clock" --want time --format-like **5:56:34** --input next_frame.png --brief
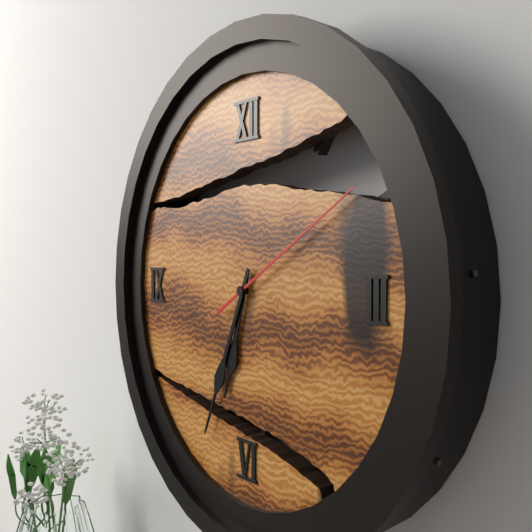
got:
**6:34:10**
